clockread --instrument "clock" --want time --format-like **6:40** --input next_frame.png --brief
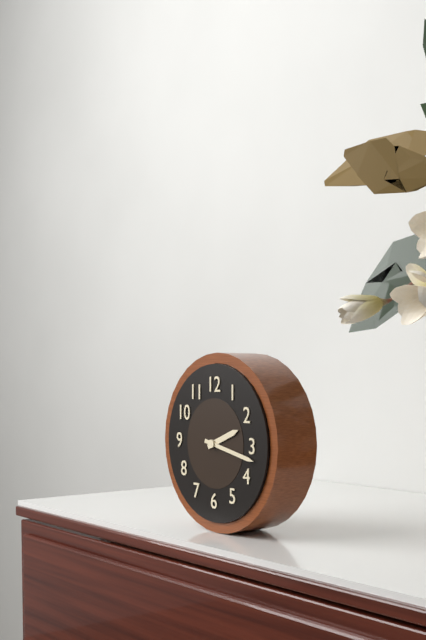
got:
**2:17**
